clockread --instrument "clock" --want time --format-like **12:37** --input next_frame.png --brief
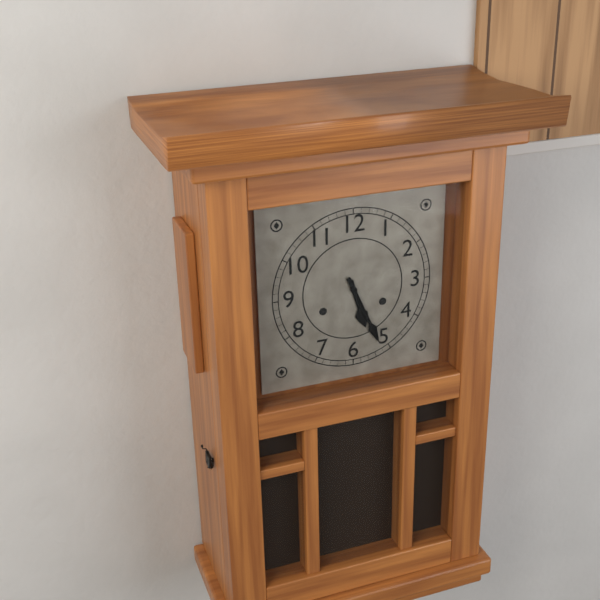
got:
**5:26**
